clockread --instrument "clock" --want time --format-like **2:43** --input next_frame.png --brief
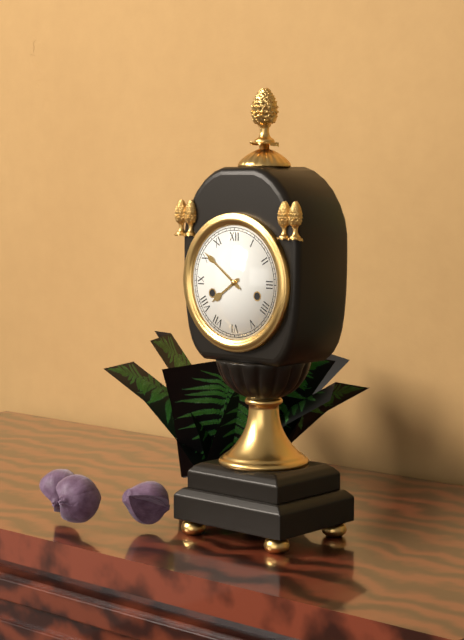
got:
**7:51**
